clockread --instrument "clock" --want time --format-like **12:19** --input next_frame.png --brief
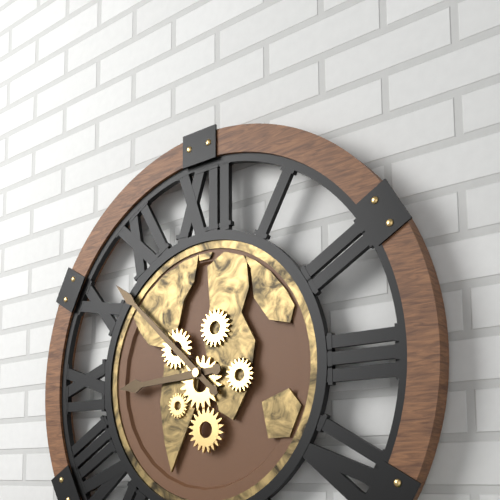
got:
**8:52**
